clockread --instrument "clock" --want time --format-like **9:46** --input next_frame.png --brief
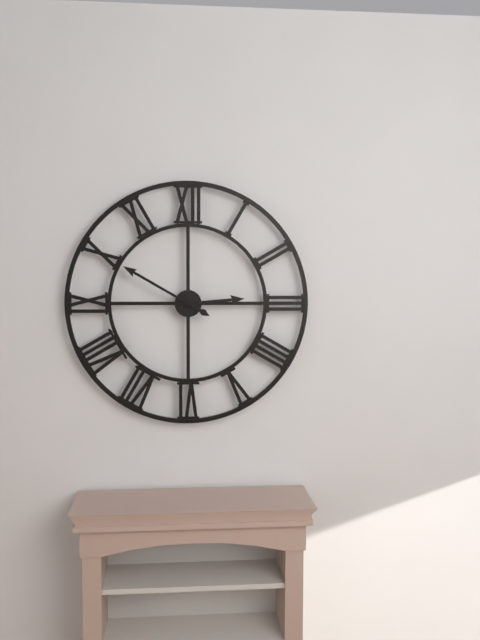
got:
**2:50**
